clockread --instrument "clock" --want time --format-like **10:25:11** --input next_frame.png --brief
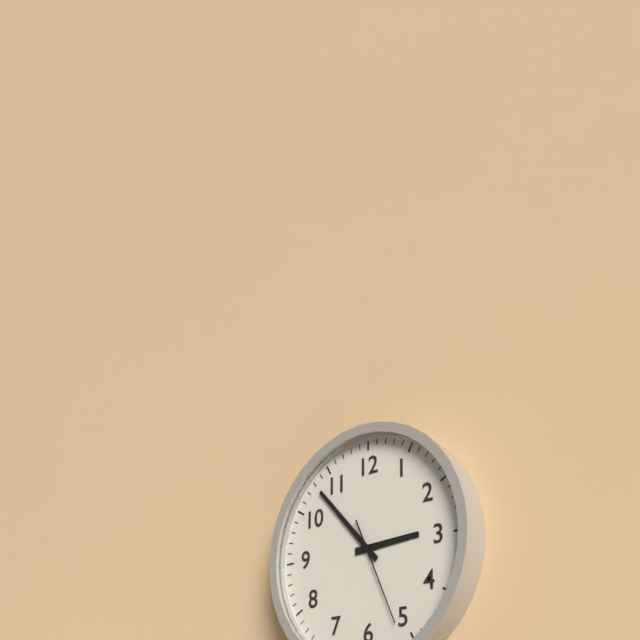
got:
**2:53:26**
